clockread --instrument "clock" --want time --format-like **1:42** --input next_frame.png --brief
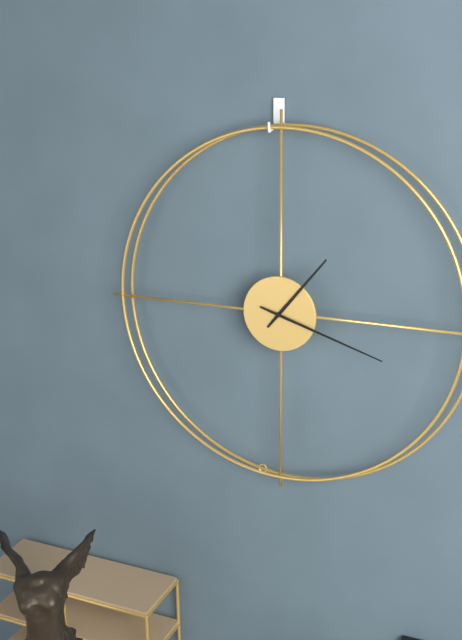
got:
**1:18**
